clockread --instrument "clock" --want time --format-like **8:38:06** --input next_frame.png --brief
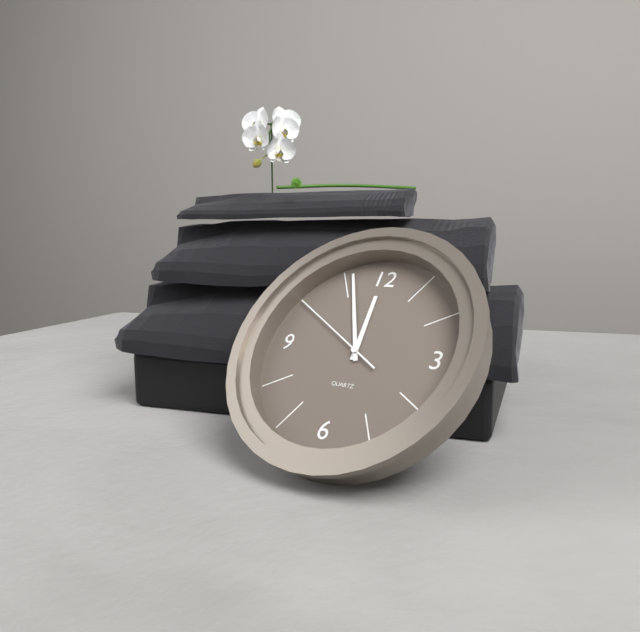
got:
**11:56:50**
